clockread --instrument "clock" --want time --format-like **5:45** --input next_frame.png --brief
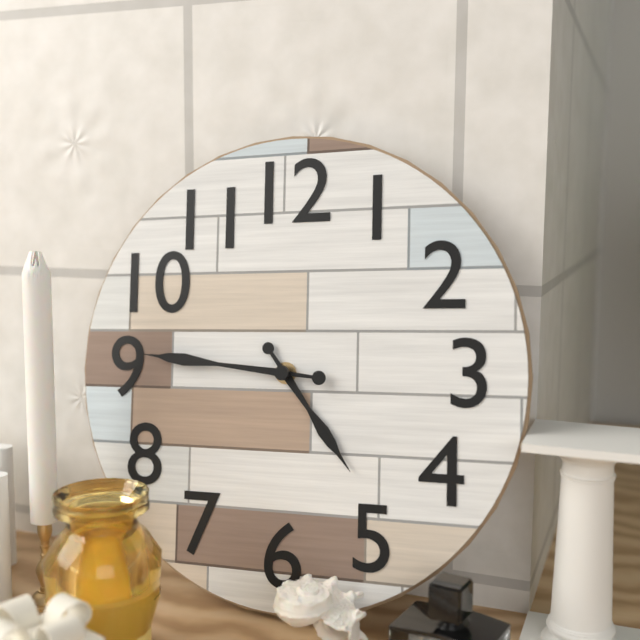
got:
**4:46**
